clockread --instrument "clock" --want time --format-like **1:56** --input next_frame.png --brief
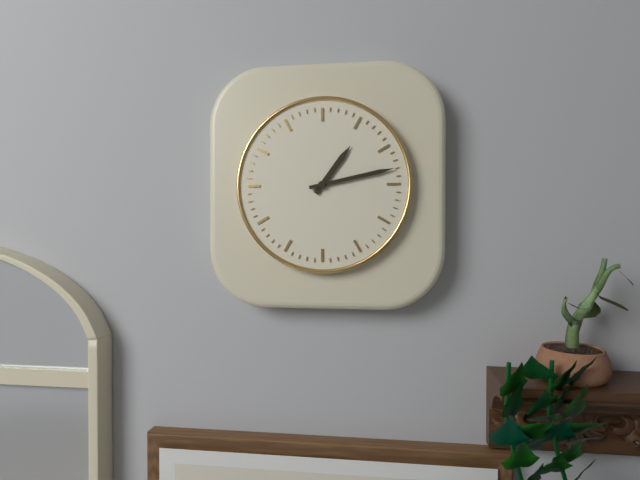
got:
**1:13**
